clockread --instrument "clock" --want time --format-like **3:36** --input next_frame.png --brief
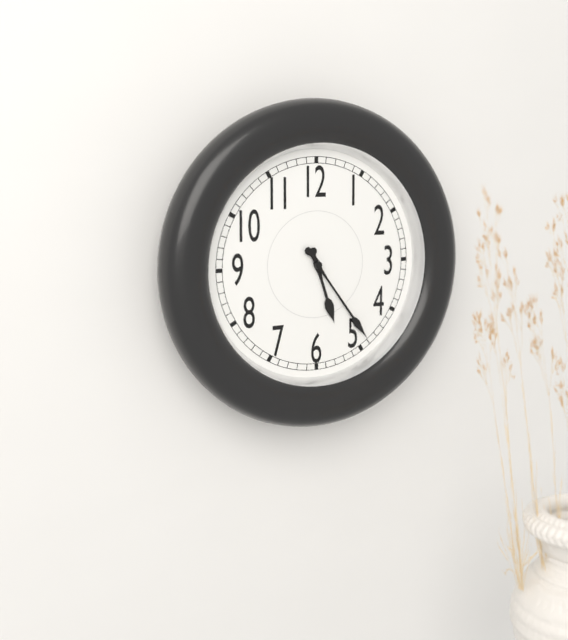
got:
**5:24**
